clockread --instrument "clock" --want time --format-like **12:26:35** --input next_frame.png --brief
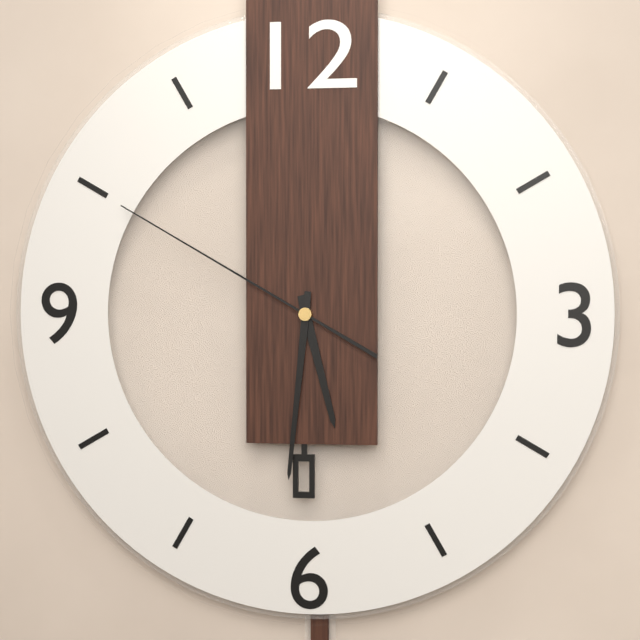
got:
**5:31:50**
